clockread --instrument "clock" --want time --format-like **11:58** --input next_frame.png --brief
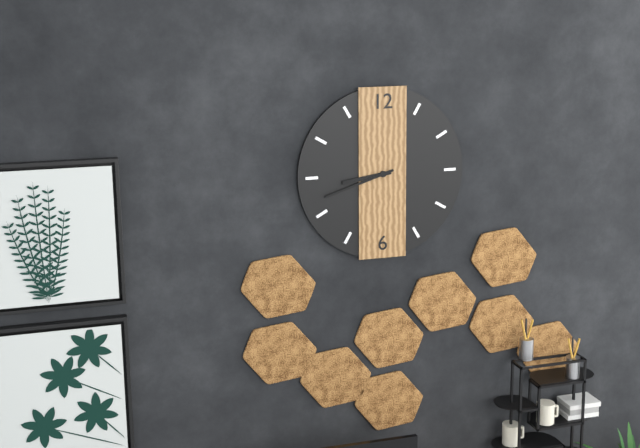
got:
**8:42**
